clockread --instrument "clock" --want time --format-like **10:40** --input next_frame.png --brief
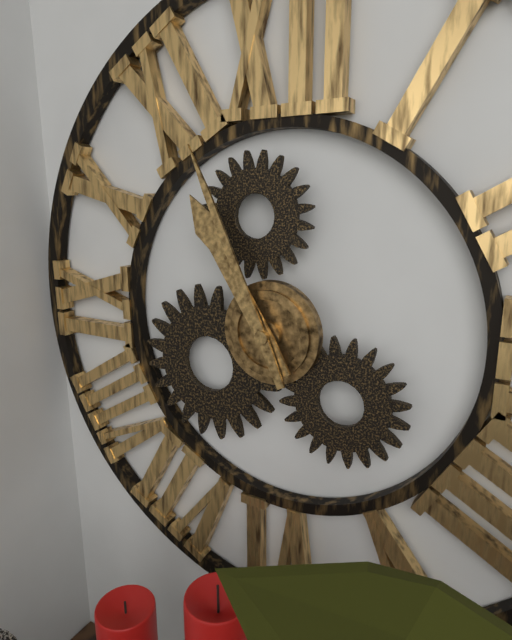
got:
**10:56**
